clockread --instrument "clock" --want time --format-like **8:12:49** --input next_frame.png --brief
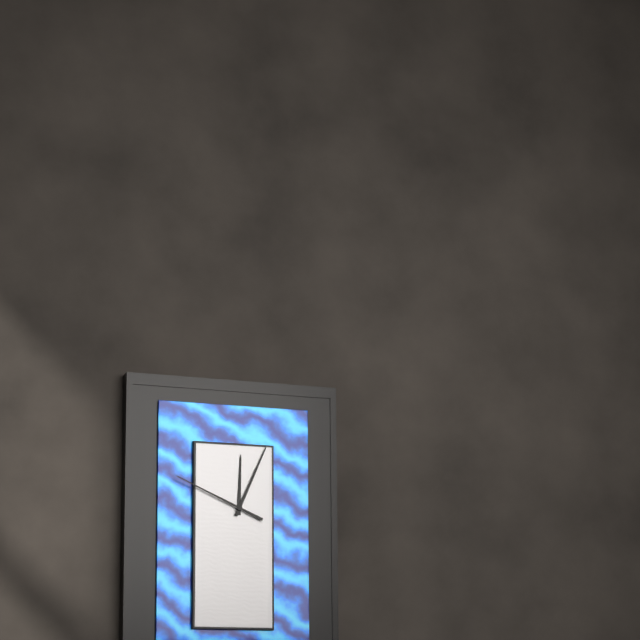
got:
**12:04:49**
